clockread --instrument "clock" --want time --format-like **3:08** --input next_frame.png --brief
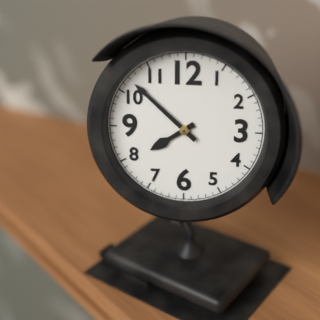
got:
**7:52**
